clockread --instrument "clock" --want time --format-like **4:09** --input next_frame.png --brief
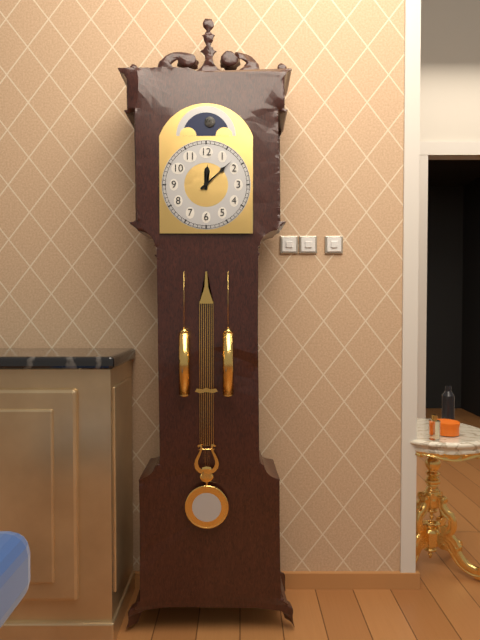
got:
**12:08**
